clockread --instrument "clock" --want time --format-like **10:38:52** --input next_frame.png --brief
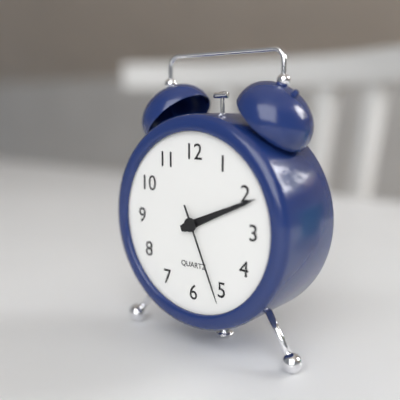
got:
**2:11:26**
